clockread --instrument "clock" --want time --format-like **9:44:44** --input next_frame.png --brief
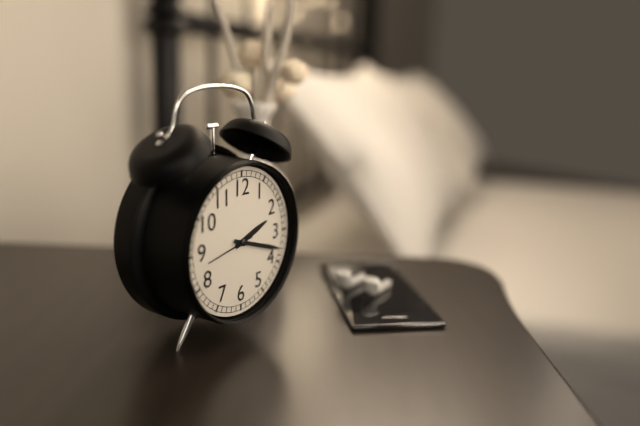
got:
**2:18:43**
